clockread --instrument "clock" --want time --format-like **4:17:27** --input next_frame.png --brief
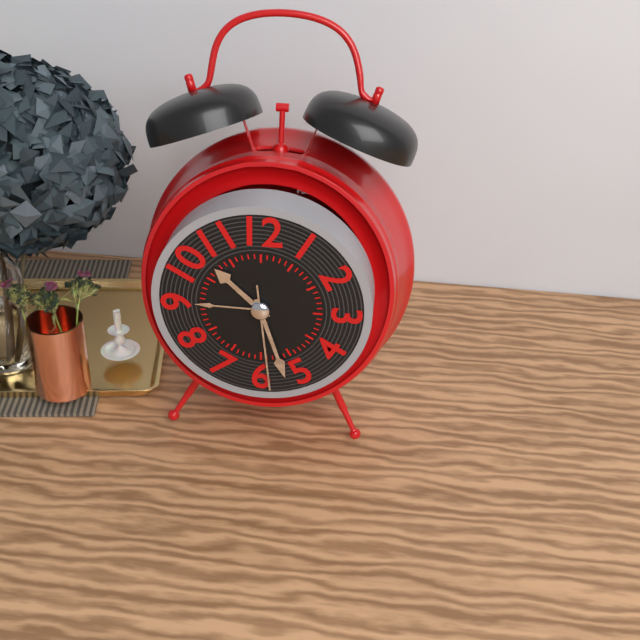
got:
**10:27:29**
